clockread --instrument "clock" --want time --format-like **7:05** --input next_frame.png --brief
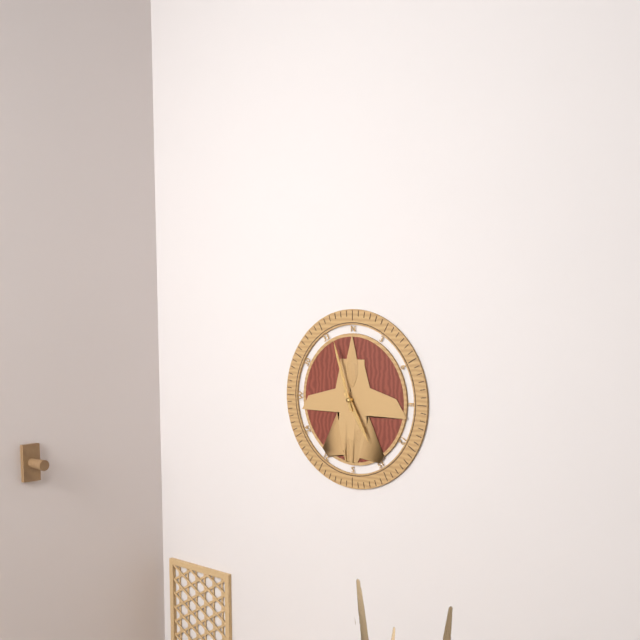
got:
**4:57**
